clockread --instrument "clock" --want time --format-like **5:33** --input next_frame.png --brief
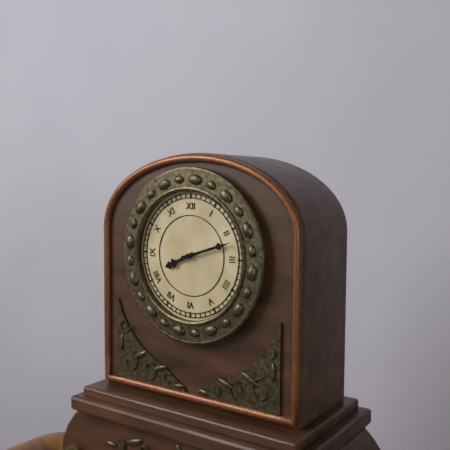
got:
**8:12**
